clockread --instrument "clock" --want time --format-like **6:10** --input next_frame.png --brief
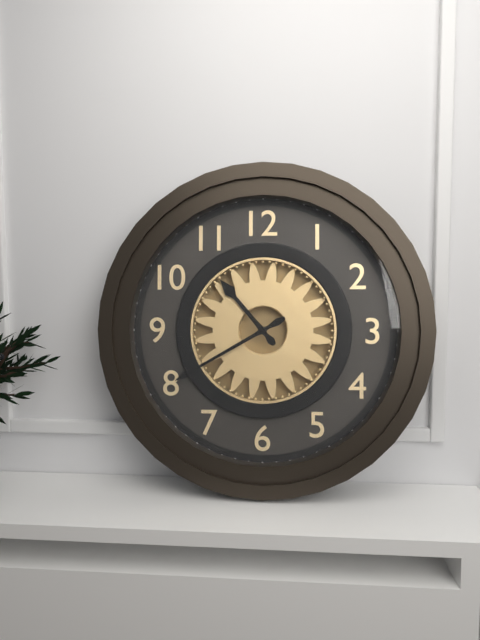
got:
**10:40**
